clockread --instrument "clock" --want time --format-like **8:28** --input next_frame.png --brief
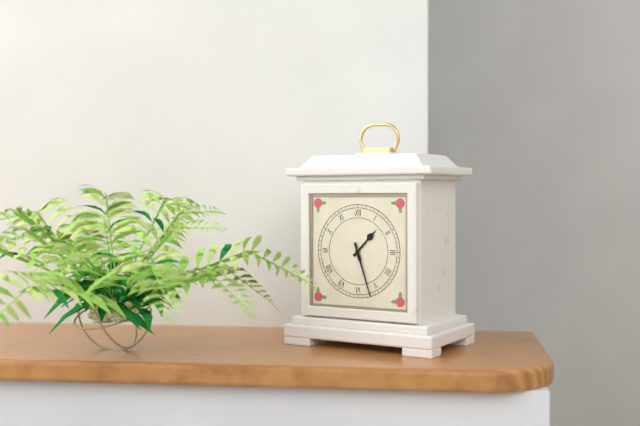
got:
**1:27**
